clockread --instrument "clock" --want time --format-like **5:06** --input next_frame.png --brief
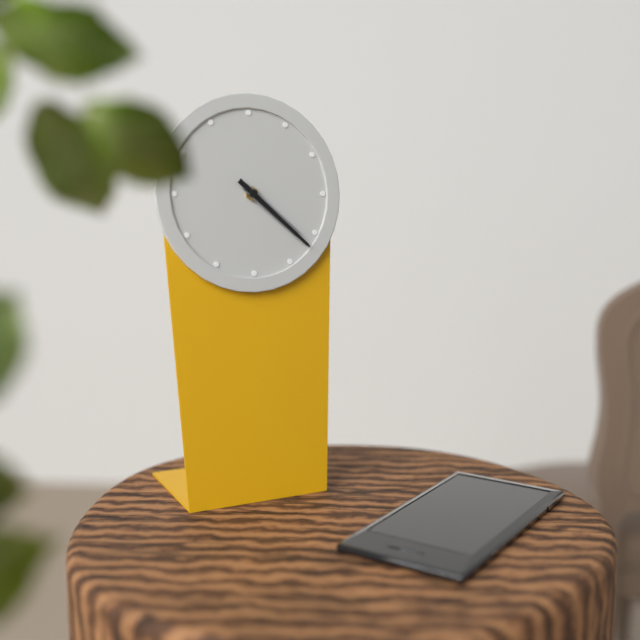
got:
**4:22**
